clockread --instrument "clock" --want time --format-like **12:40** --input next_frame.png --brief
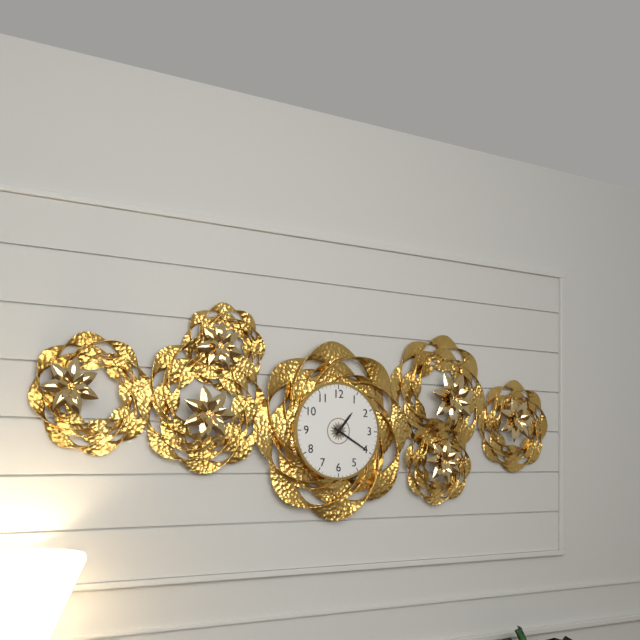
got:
**1:20**
